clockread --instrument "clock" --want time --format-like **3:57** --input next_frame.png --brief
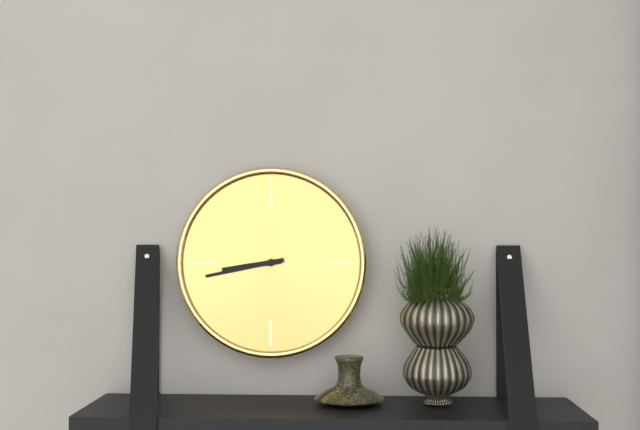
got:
**8:43**
